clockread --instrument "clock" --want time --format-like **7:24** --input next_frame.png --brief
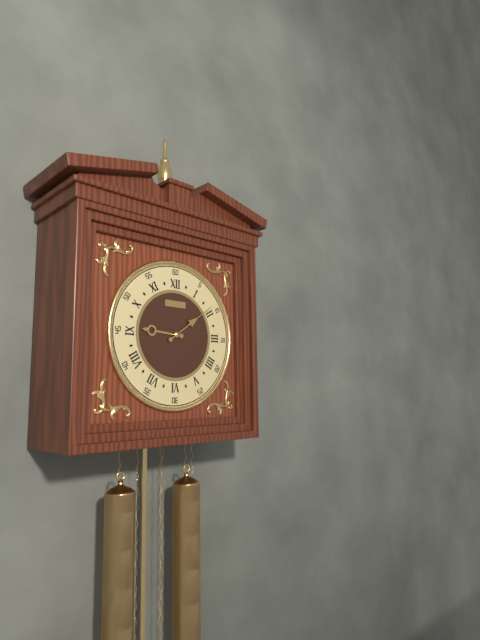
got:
**9:09**
